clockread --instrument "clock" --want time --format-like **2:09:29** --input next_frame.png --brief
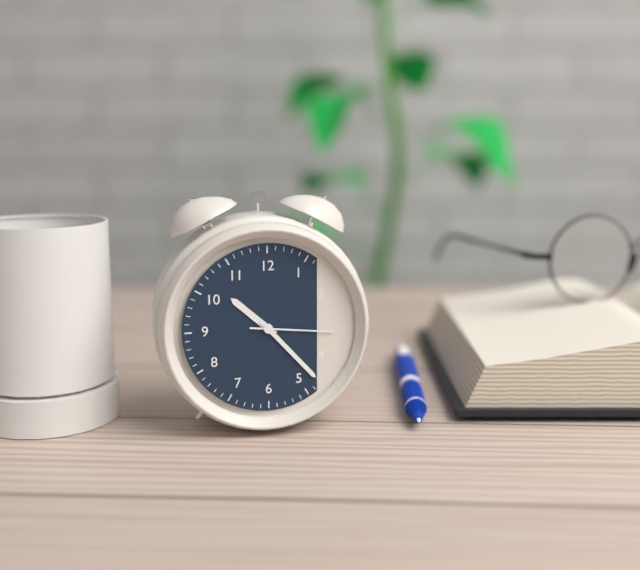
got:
**10:23:16**
